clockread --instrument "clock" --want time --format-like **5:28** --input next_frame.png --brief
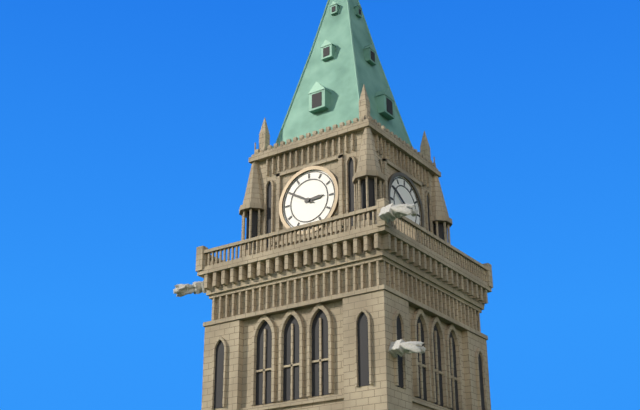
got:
**2:50**
